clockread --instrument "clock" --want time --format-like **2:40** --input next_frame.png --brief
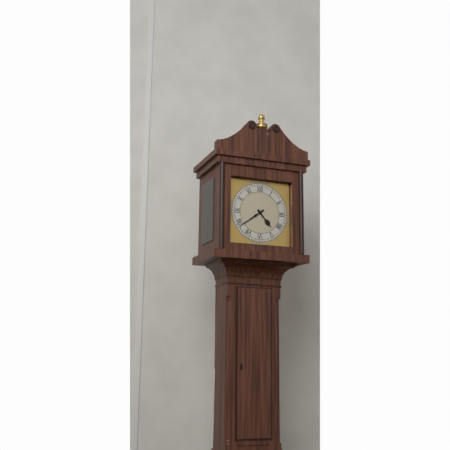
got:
**4:39**
